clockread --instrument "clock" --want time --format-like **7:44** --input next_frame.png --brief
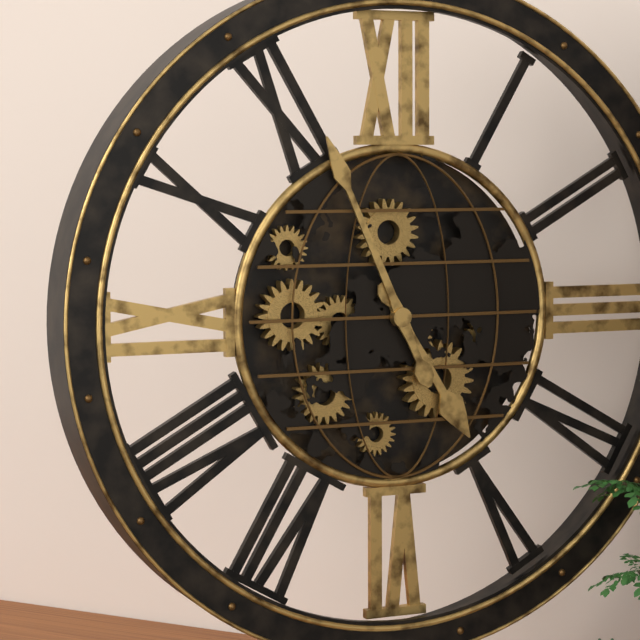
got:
**4:56**
